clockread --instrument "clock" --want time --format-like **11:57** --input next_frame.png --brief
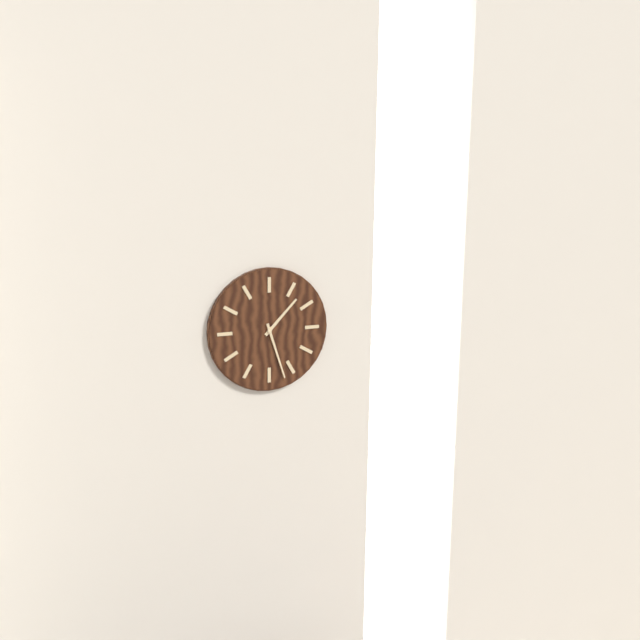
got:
**1:27**
